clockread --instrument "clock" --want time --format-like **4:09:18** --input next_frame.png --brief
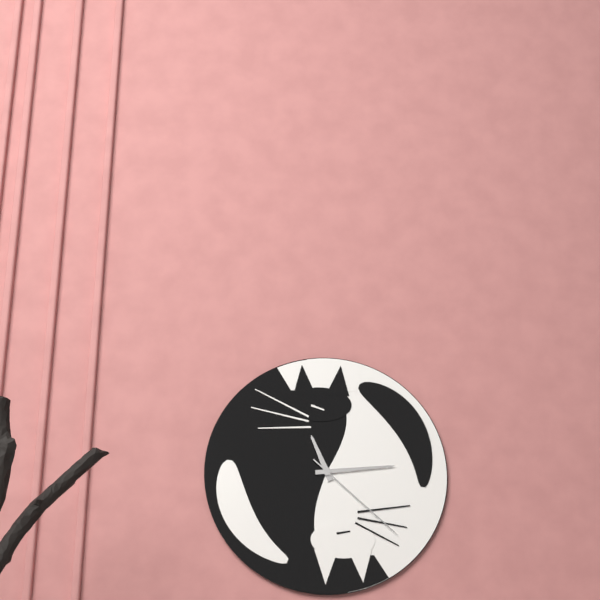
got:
**11:14:22**
